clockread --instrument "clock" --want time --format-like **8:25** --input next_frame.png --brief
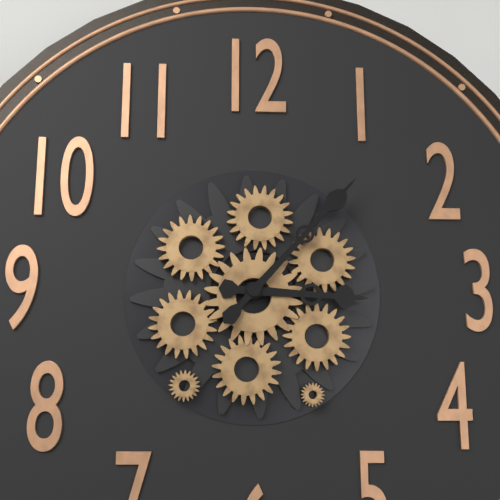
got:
**3:07**
